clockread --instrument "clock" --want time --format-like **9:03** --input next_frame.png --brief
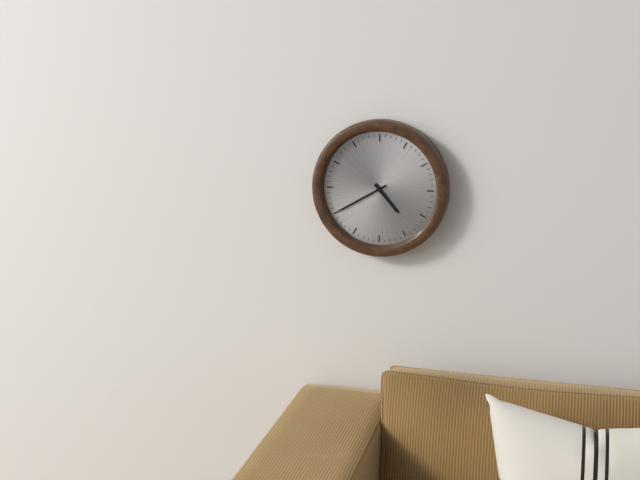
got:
**4:40**
